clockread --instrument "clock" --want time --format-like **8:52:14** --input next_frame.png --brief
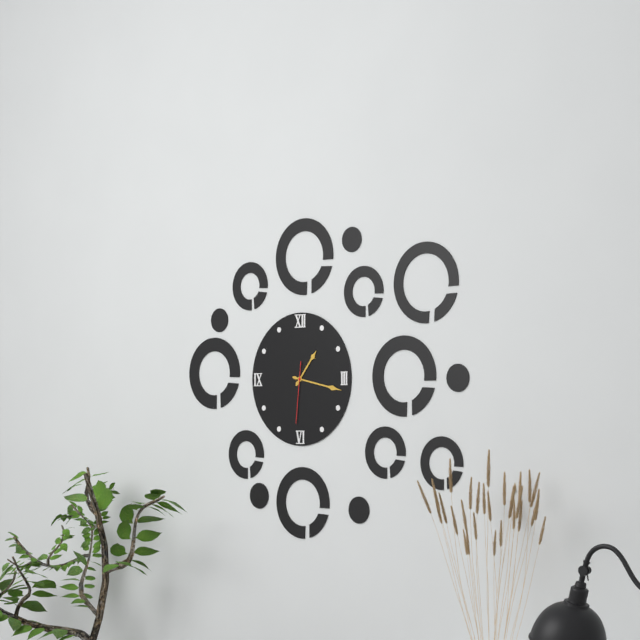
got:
**1:17:31**
